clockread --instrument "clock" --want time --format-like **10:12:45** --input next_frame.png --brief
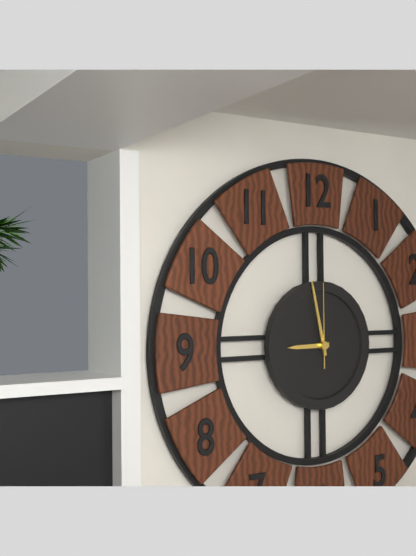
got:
**8:58:00**
